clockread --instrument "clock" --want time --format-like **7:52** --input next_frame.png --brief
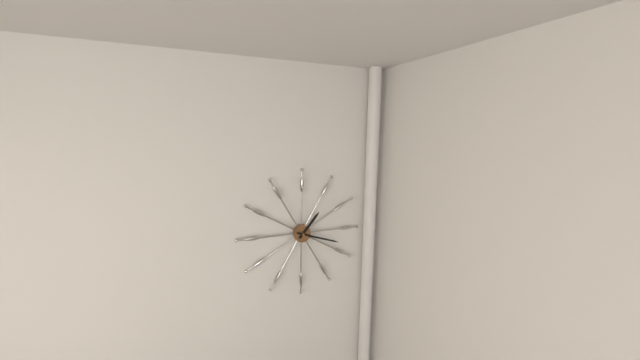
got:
**1:18**
